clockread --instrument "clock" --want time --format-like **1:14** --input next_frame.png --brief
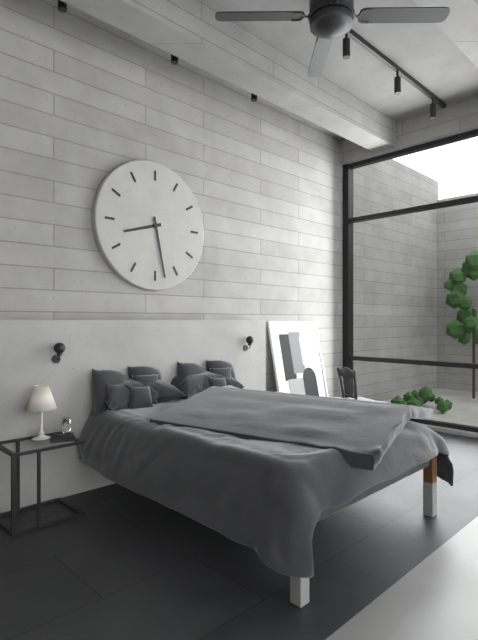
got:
**8:28**
